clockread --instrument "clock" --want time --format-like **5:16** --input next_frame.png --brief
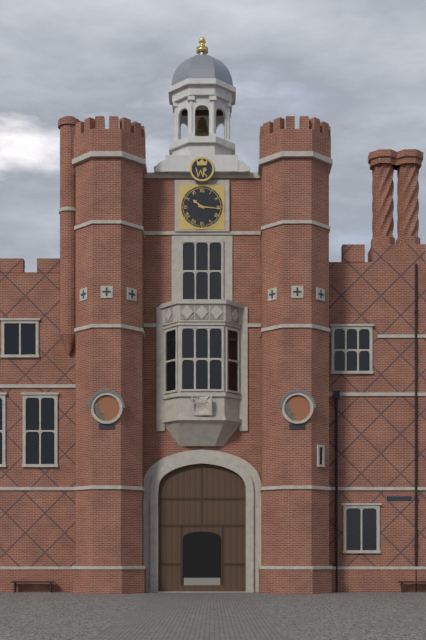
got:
**10:16**
